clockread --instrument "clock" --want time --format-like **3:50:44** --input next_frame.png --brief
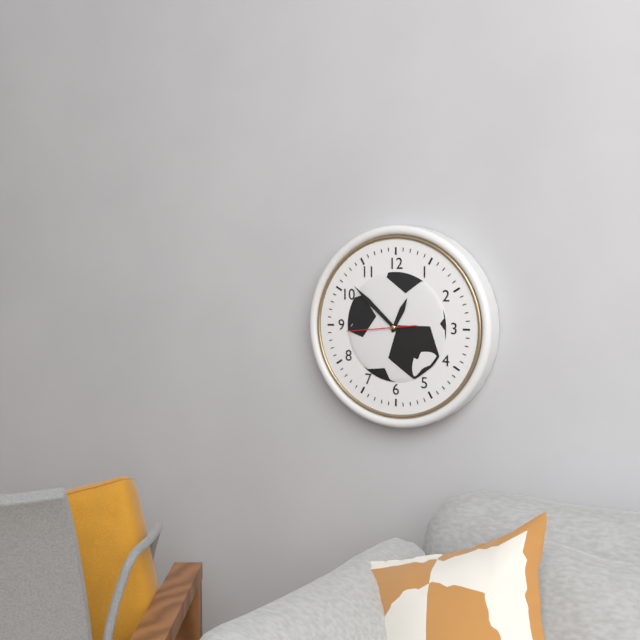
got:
**12:52:44**
